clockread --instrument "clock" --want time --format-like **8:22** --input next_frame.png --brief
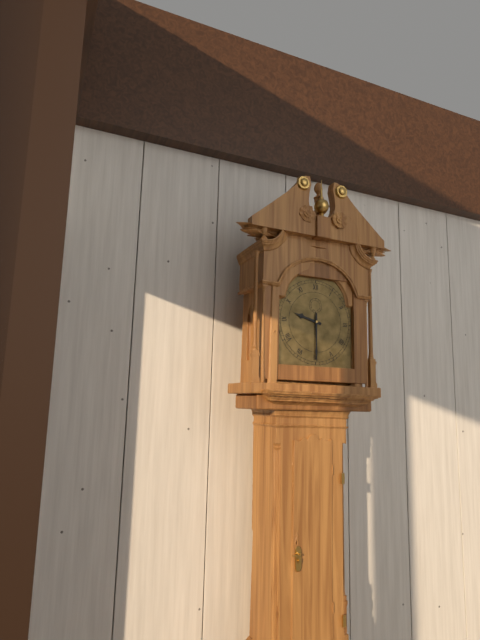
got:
**9:30**
